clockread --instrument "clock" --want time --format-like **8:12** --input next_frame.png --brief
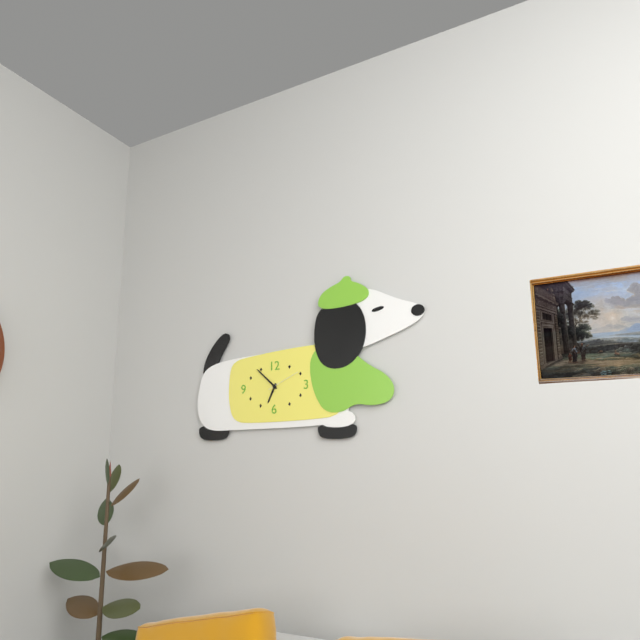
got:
**6:52**
